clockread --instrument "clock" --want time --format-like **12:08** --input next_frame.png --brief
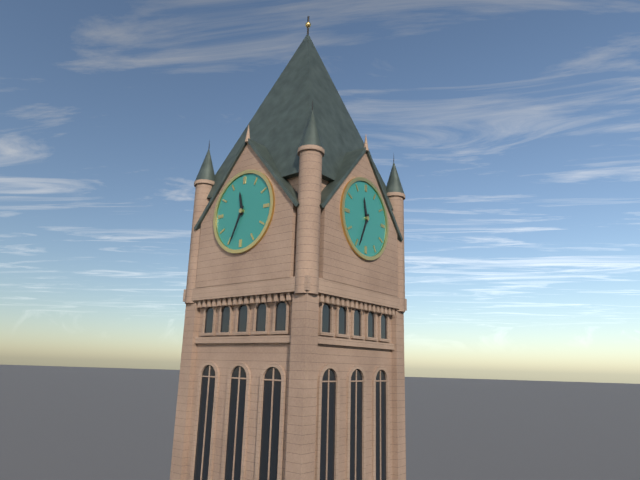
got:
**11:34**
